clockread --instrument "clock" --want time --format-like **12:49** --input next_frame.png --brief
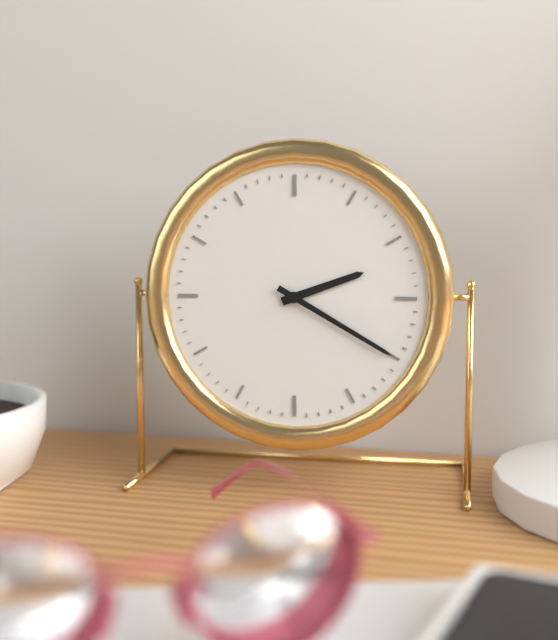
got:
**2:20**
